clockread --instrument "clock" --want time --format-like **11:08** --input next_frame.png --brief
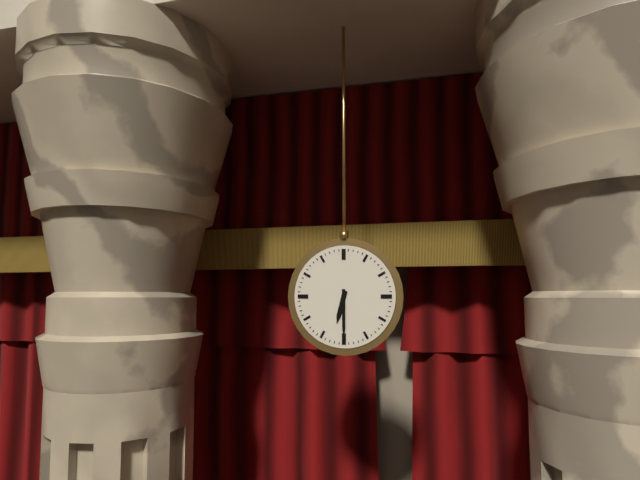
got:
**6:30**
